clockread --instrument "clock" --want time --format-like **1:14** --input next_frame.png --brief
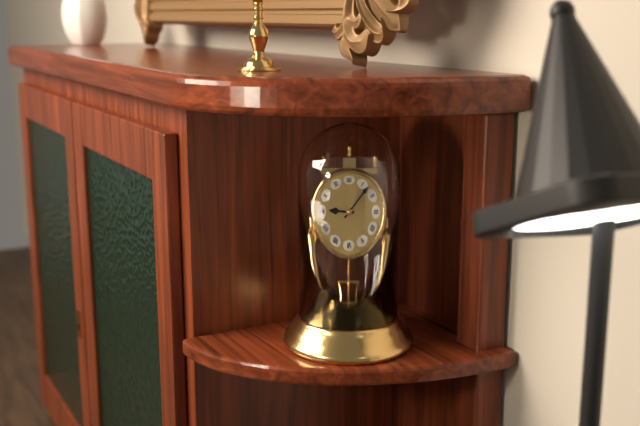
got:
**9:07**
